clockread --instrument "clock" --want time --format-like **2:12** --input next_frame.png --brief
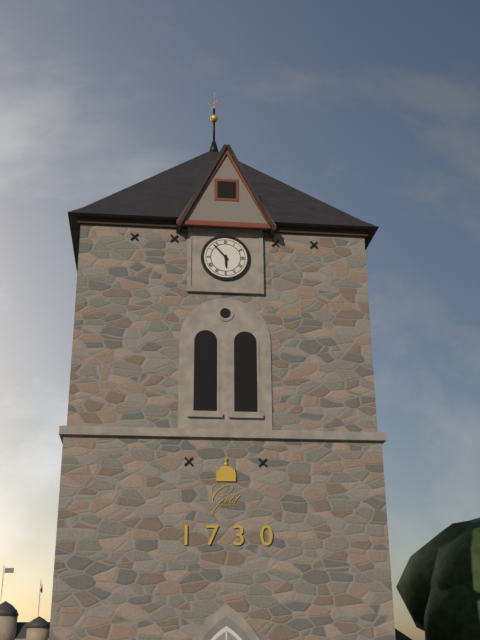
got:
**5:53**
